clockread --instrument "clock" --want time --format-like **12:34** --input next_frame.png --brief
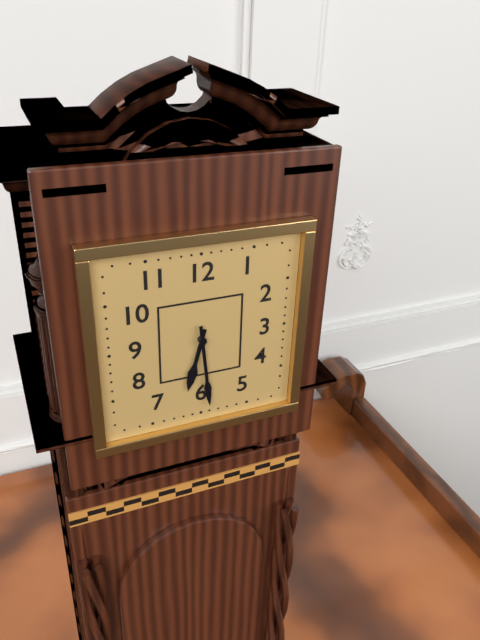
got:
**6:29**
